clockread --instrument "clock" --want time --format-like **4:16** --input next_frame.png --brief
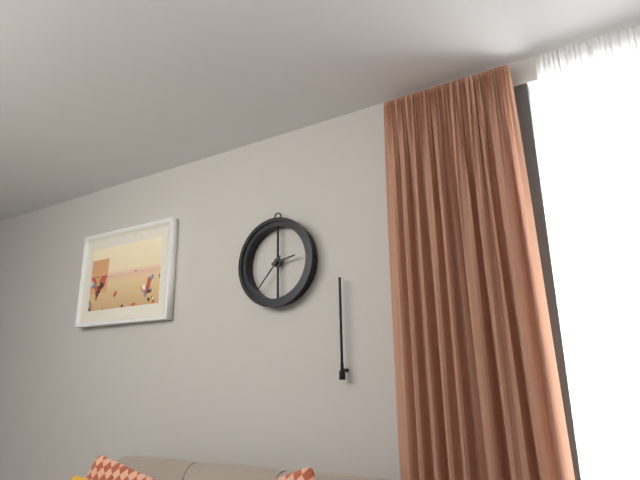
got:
**2:37**
